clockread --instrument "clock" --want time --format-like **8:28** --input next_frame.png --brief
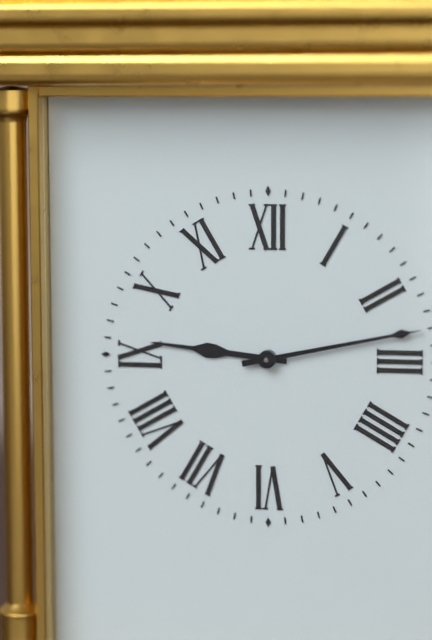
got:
**9:13**
